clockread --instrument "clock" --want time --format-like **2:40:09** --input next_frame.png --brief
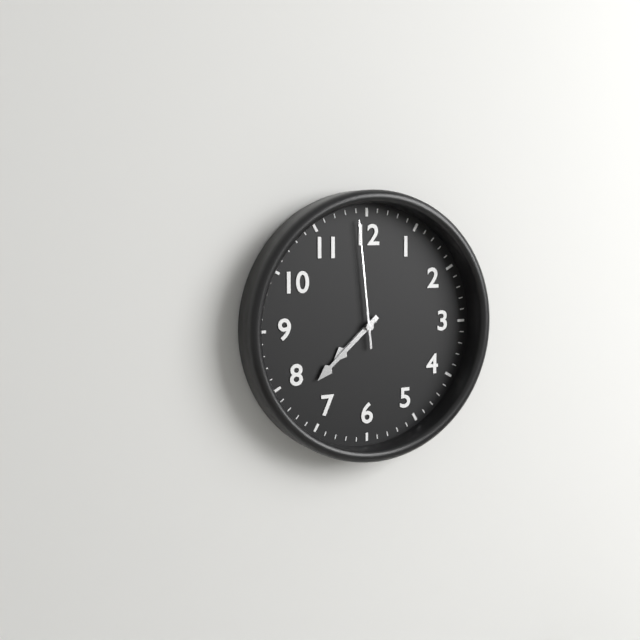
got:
**7:38:59**
